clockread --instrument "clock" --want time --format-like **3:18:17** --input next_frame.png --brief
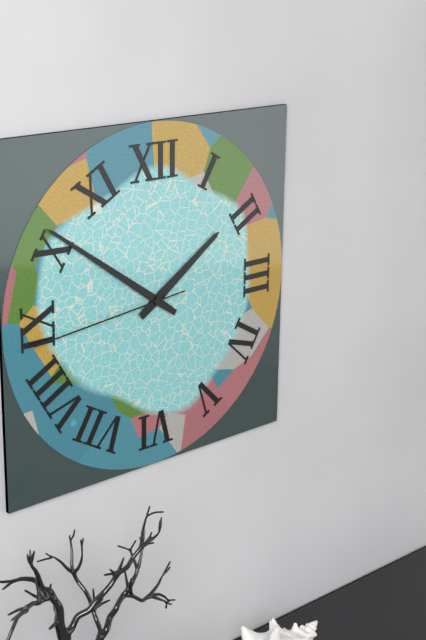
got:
**1:51:44**
